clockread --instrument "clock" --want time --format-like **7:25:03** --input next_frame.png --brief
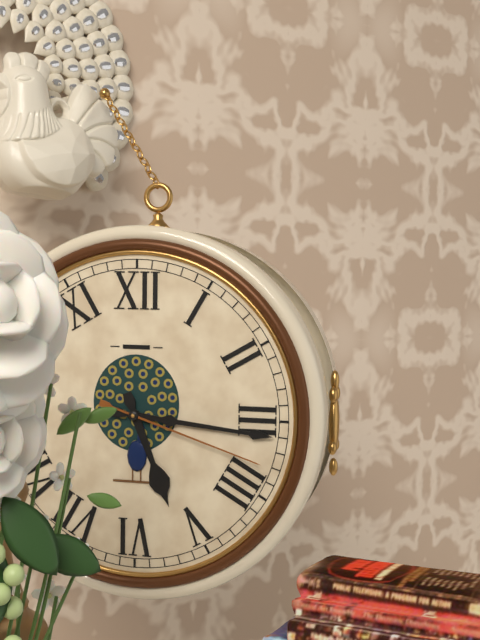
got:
**5:16:18**
